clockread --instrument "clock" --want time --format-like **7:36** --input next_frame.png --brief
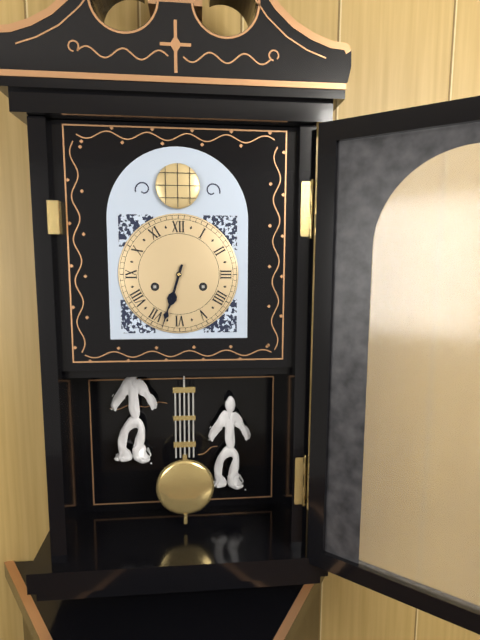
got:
**6:33**
